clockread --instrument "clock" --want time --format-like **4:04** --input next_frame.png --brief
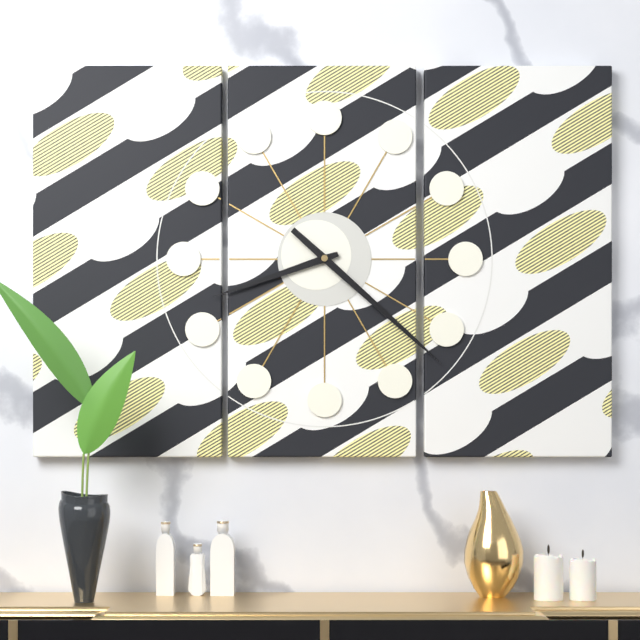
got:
**8:22**
